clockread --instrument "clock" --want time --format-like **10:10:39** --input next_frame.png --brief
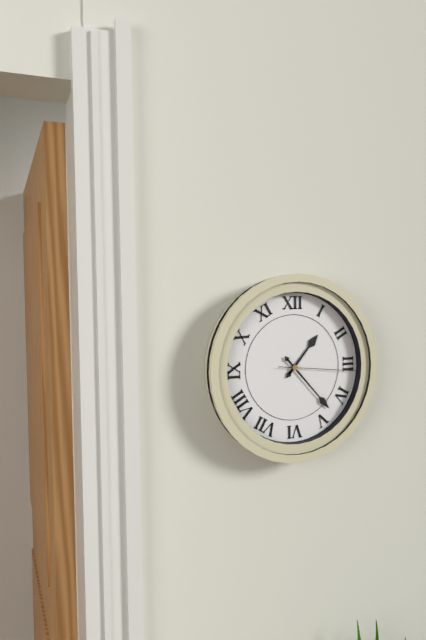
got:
**1:23:16**
